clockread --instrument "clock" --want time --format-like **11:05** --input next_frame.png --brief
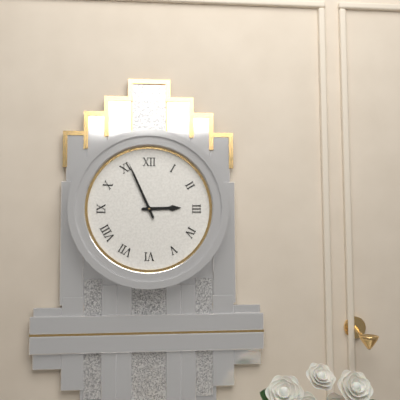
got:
**2:56**
